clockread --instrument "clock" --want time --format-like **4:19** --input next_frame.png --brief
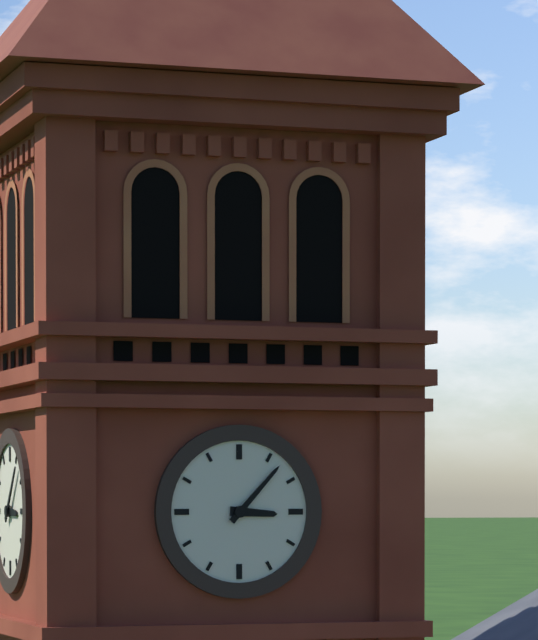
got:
**3:07**
